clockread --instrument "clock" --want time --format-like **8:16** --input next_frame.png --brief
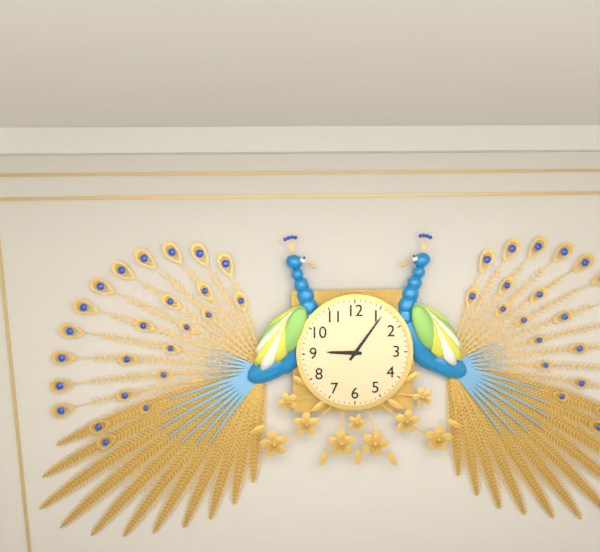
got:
**9:06**
